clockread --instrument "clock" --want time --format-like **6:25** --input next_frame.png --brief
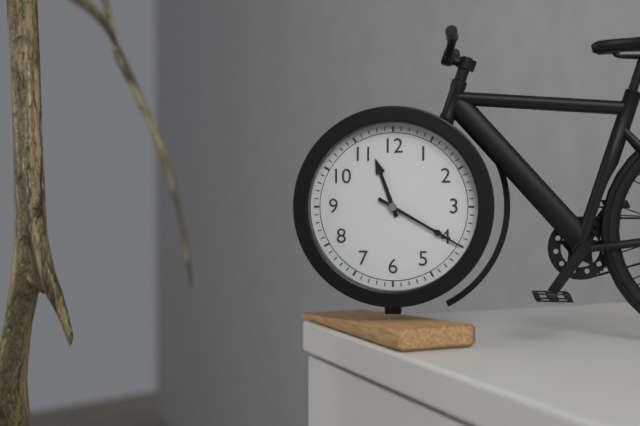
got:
**11:20**
